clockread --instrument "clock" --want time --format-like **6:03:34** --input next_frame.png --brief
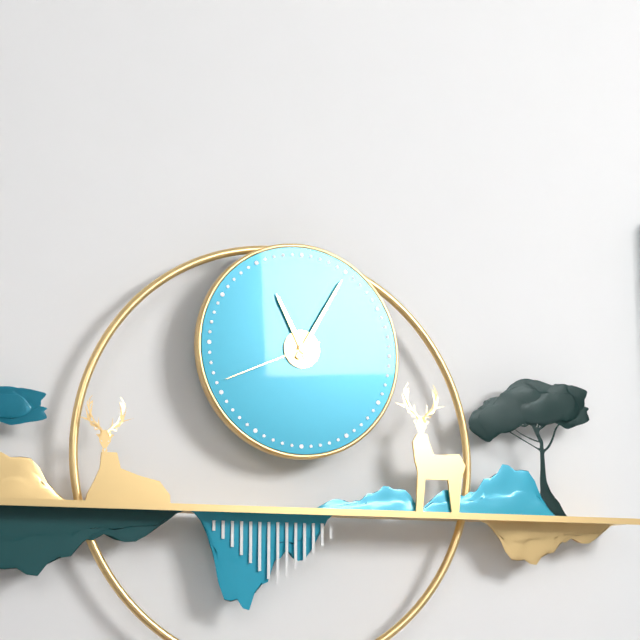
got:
**11:05:41**
